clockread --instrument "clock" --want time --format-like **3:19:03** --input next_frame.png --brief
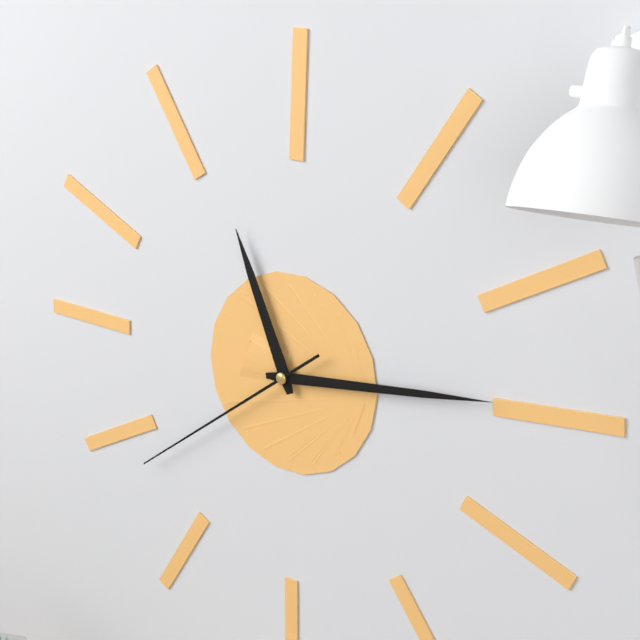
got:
**11:14:39**
